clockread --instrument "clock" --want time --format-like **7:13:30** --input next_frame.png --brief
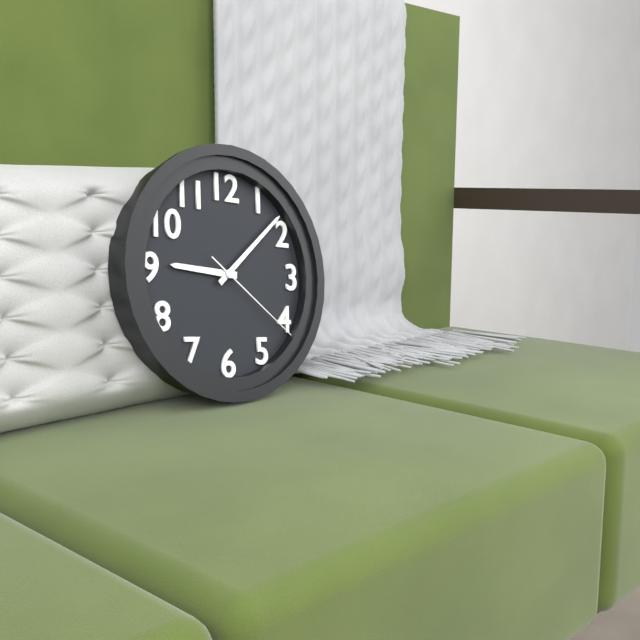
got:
**9:08:21**
